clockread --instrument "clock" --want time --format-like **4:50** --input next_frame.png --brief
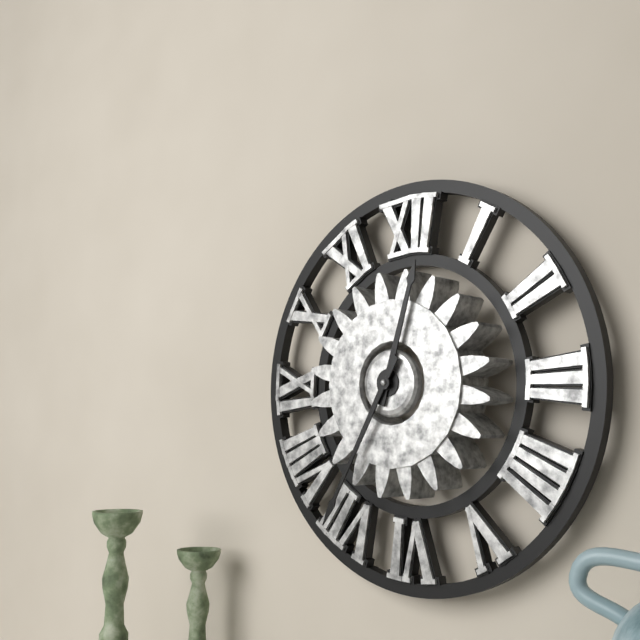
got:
**12:35**
